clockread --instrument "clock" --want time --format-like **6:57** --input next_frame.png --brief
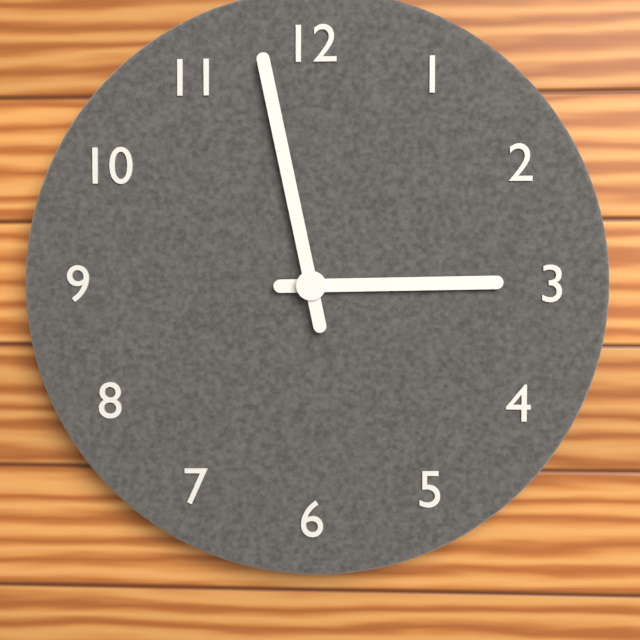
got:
**2:58**
